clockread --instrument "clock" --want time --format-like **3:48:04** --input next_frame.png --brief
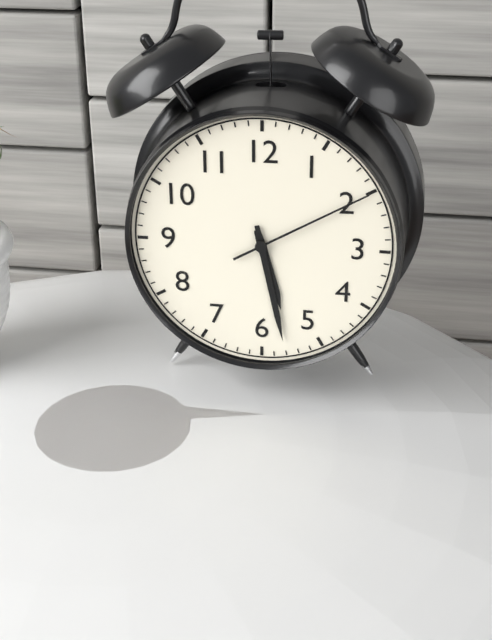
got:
**5:28:10**
